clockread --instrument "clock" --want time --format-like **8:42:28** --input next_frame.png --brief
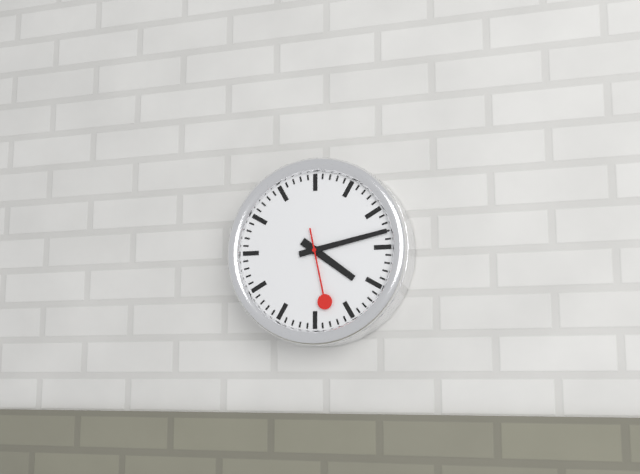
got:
**4:13:28**
